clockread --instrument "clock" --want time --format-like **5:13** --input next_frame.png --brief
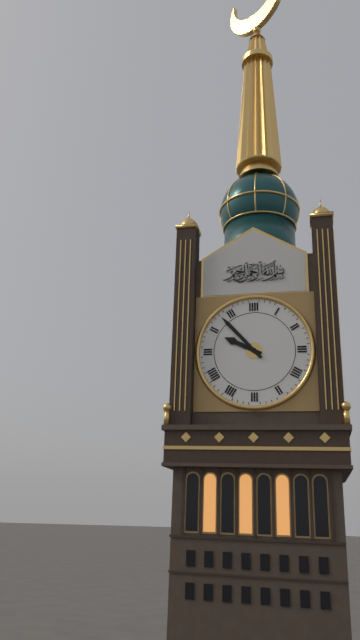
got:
**9:53**
